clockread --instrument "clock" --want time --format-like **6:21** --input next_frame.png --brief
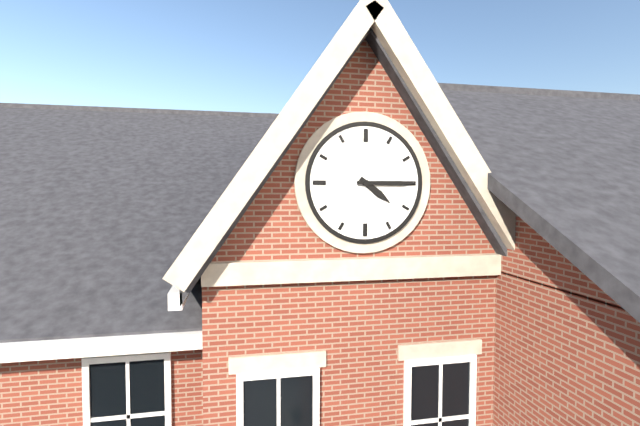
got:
**4:15**
